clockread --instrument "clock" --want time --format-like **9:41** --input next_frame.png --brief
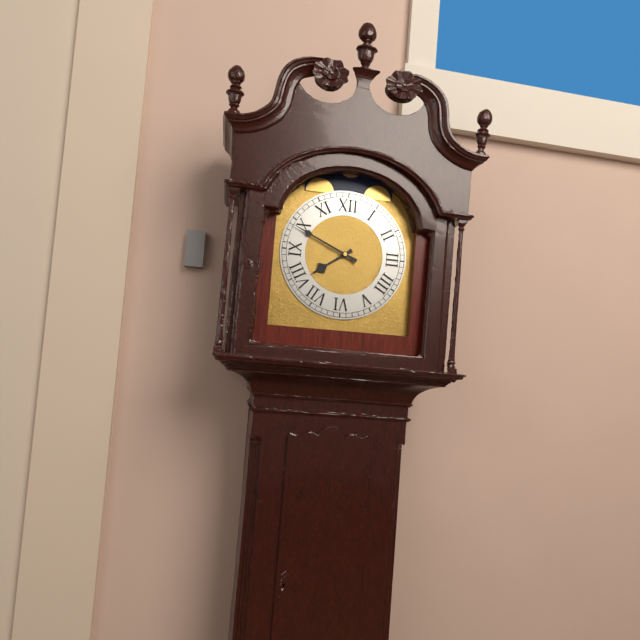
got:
**7:49**
